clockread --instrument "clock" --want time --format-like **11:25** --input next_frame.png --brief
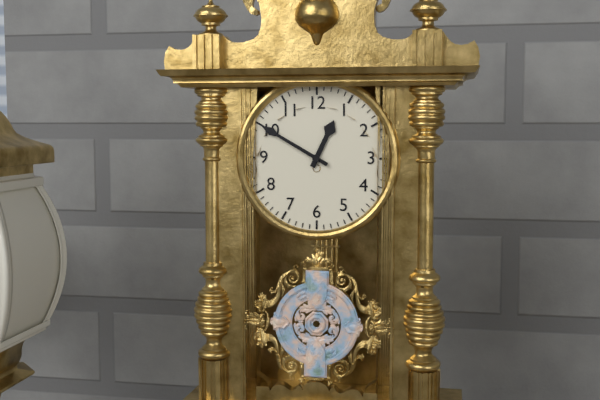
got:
**12:50**
